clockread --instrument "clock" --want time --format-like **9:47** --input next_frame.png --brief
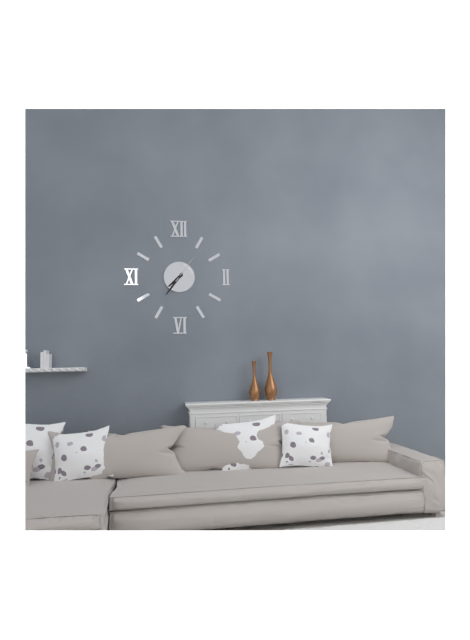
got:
**7:36**
